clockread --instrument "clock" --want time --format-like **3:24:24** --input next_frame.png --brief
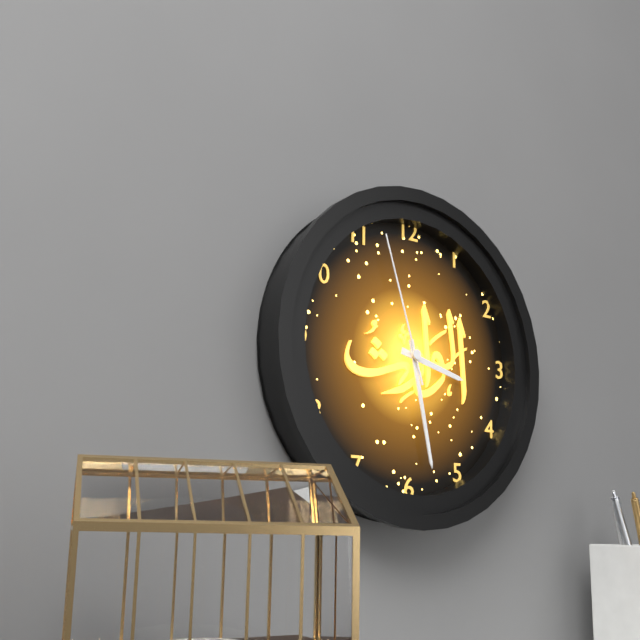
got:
**3:28:57**
